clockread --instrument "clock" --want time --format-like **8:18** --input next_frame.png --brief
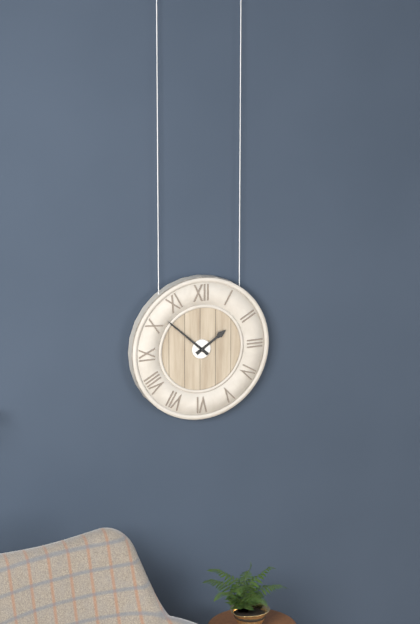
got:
**1:52**
